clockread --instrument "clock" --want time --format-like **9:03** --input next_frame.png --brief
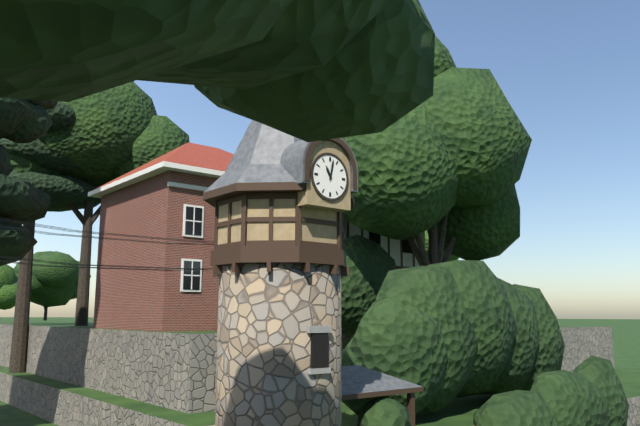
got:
**11:02**
